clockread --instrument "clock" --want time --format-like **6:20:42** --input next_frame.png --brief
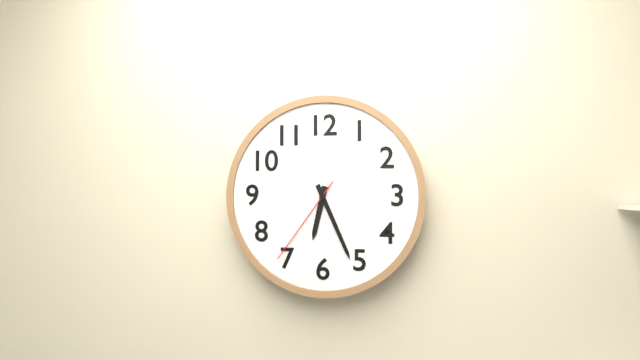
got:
**6:26:36**
